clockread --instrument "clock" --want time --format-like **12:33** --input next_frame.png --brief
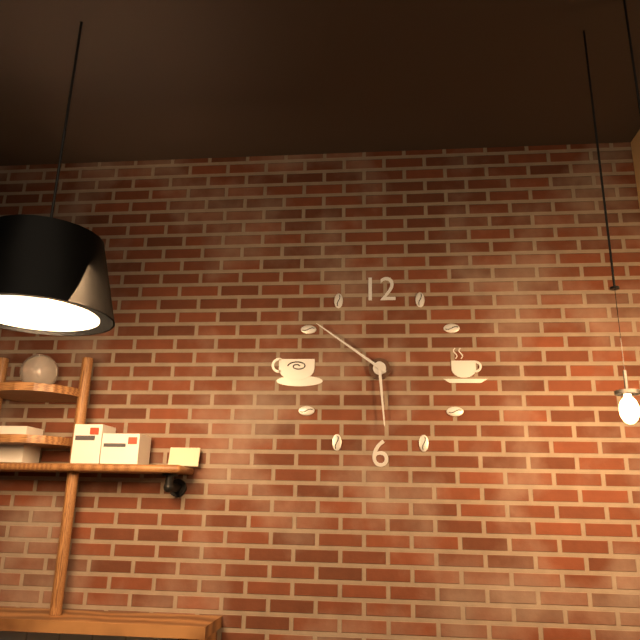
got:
**5:51**
